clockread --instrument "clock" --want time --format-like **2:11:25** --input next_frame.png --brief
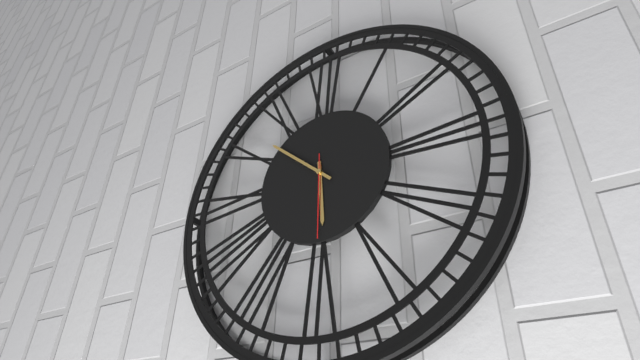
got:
**5:52:30**
